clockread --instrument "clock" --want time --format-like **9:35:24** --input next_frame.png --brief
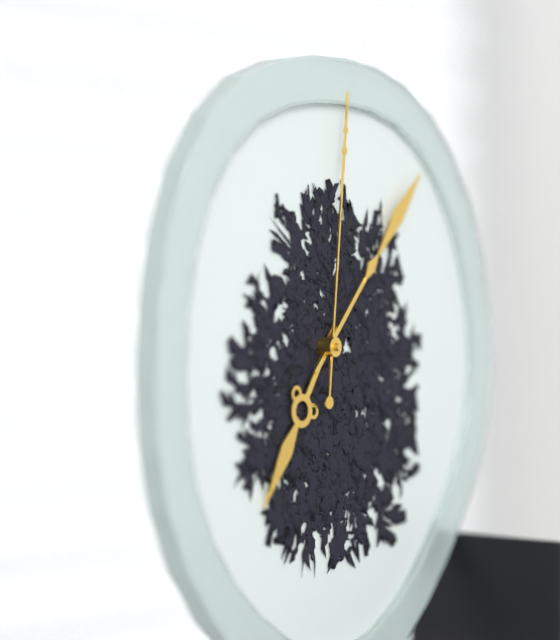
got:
**7:07:01**
